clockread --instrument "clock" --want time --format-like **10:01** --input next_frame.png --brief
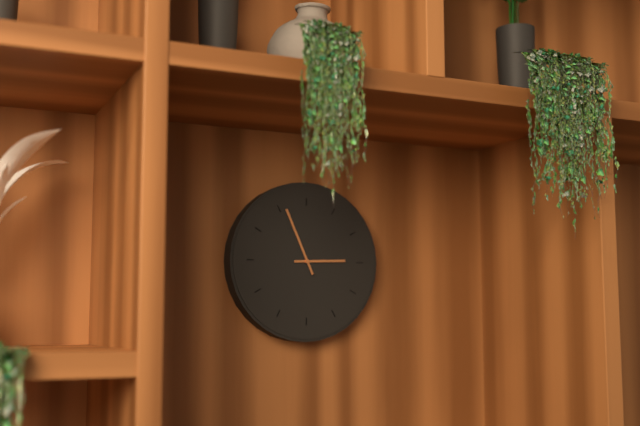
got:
**2:56**
